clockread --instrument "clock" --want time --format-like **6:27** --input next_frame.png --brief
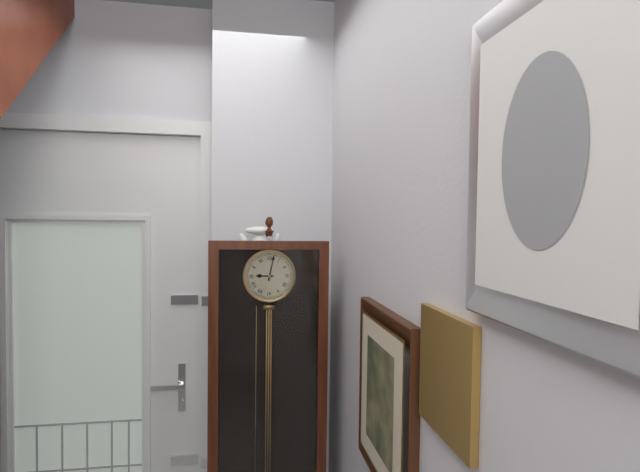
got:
**9:02**
